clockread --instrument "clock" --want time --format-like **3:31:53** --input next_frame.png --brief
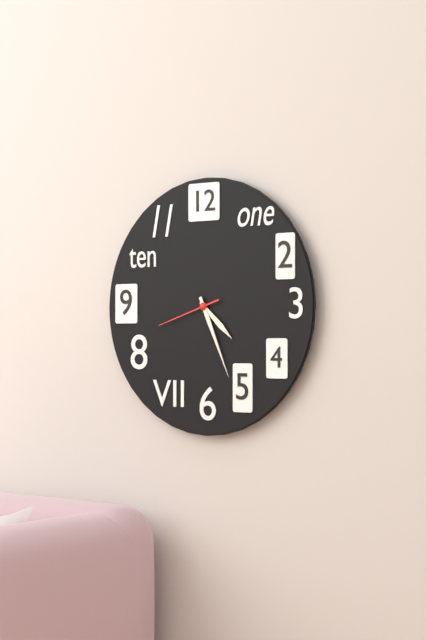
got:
**4:26:42**
